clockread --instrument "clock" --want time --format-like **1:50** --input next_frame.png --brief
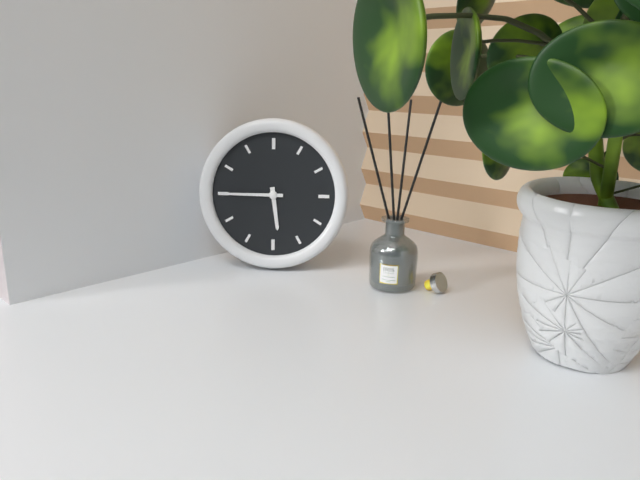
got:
**5:45**
